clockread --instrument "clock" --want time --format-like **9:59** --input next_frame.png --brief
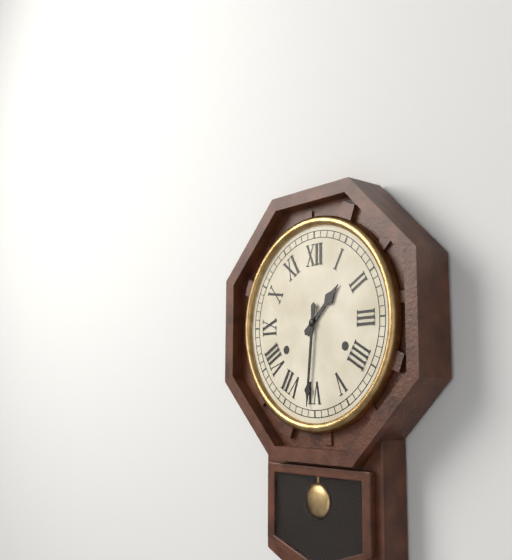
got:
**1:31**
